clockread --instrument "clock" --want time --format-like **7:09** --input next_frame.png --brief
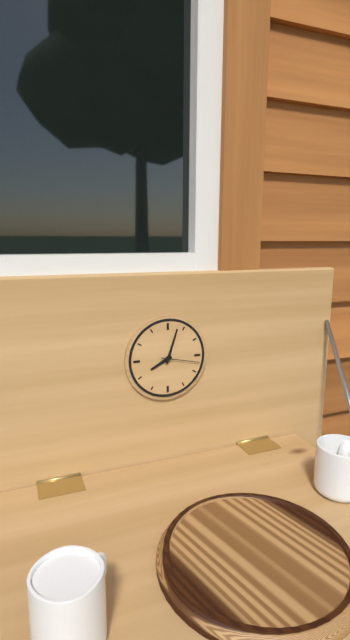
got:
**8:03**
